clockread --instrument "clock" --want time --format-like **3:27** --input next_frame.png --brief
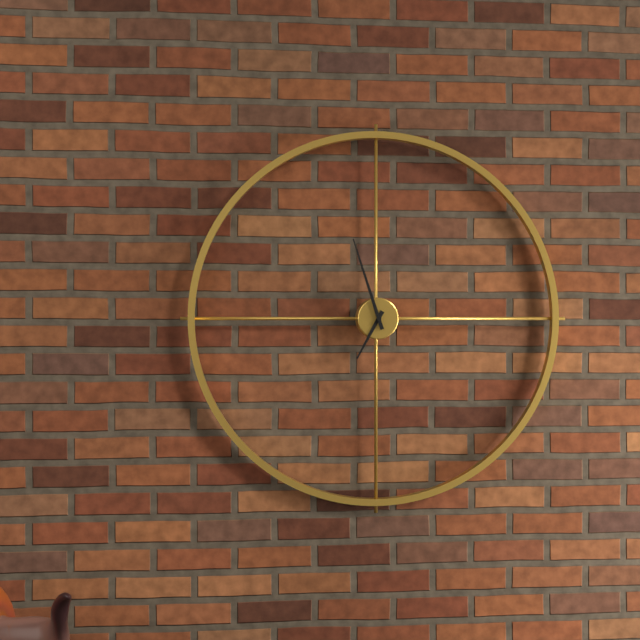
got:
**6:57**
